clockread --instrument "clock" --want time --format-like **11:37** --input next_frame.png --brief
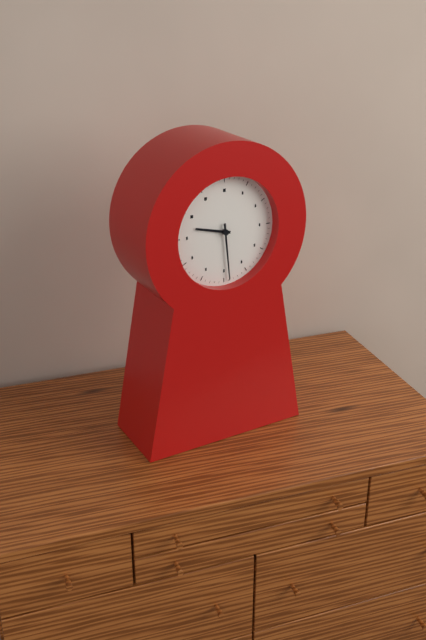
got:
**9:29**
